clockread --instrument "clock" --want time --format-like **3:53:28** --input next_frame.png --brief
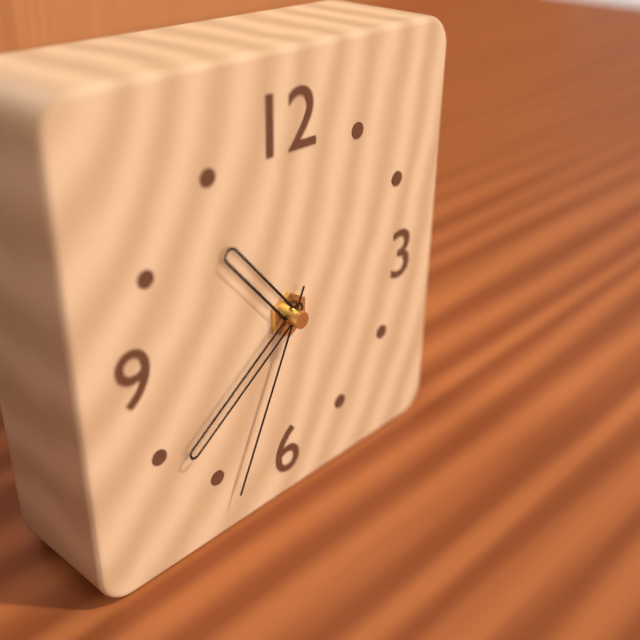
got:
**10:39:34**
